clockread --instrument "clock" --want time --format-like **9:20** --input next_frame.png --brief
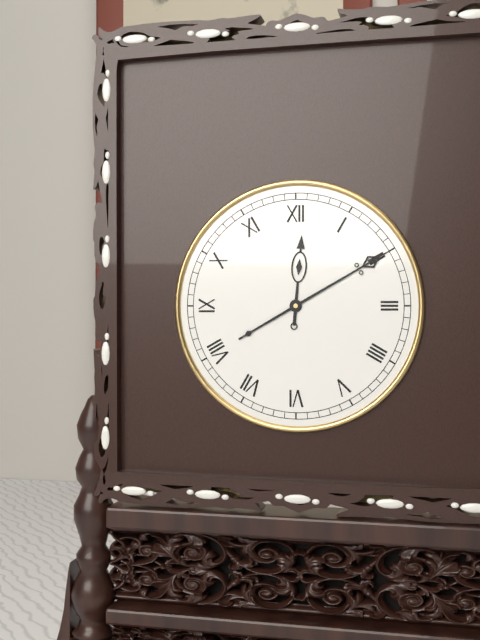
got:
**12:10**
